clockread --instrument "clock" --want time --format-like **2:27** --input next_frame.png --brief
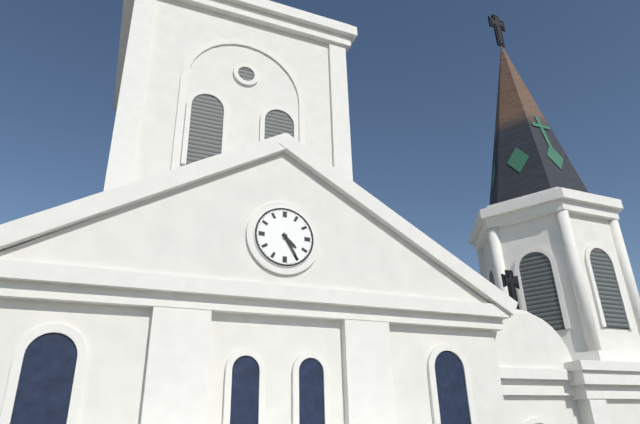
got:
**4:25**
